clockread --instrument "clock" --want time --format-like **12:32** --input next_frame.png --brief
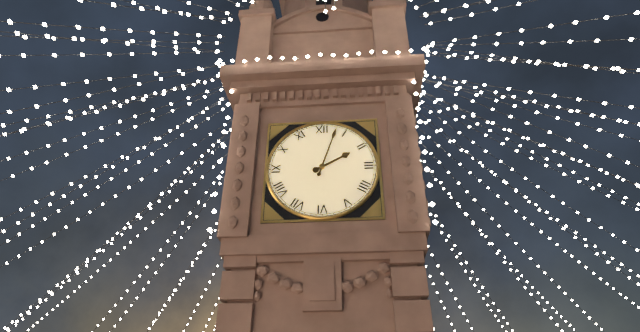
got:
**2:03**
